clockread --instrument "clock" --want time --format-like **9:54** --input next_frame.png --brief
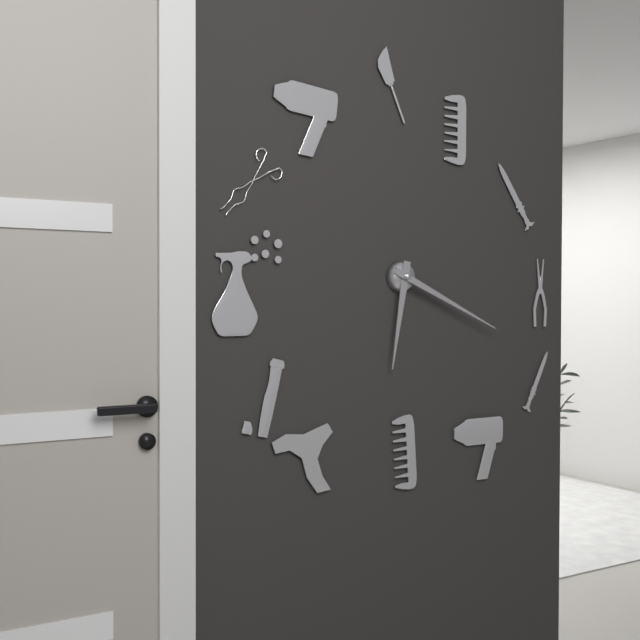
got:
**6:19**
